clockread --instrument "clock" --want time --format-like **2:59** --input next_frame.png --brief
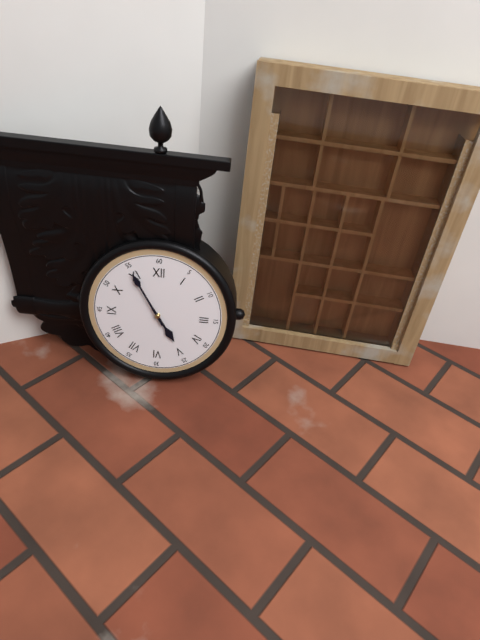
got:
**4:55**
